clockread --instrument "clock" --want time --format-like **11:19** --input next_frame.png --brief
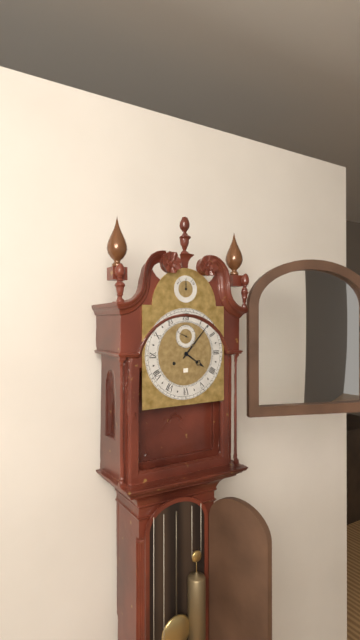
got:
**4:07**
